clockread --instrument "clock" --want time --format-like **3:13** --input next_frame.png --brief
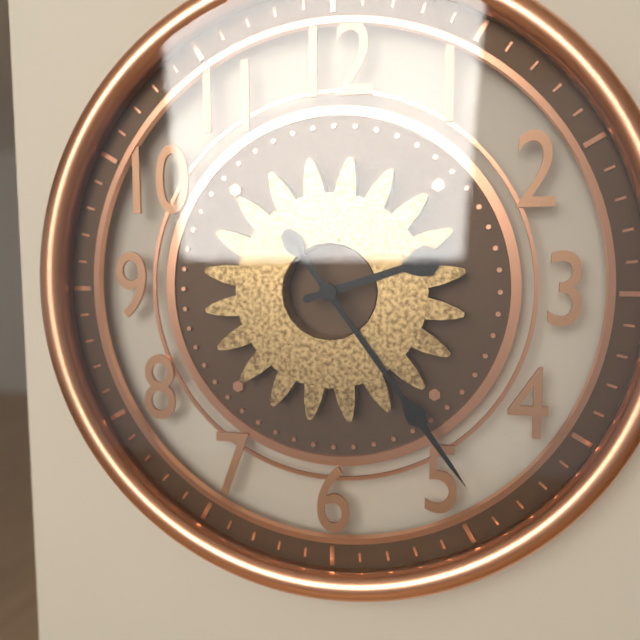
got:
**2:24**
